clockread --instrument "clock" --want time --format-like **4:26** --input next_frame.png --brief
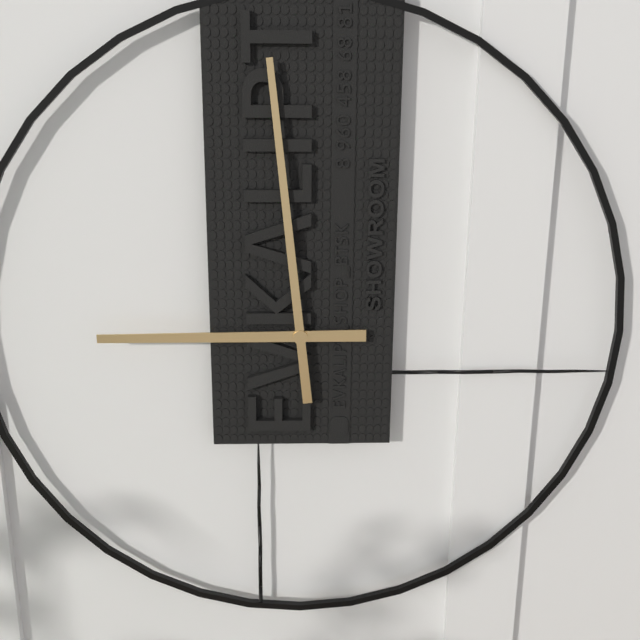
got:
**8:59**
